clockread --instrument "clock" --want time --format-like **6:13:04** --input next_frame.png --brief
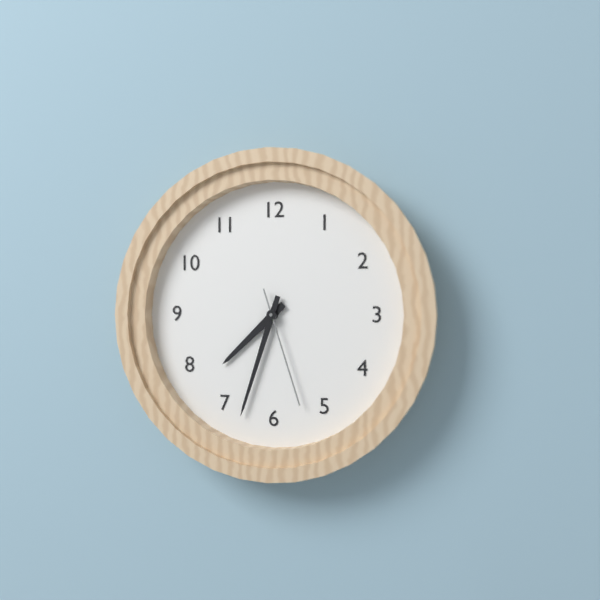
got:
**7:33:27**
